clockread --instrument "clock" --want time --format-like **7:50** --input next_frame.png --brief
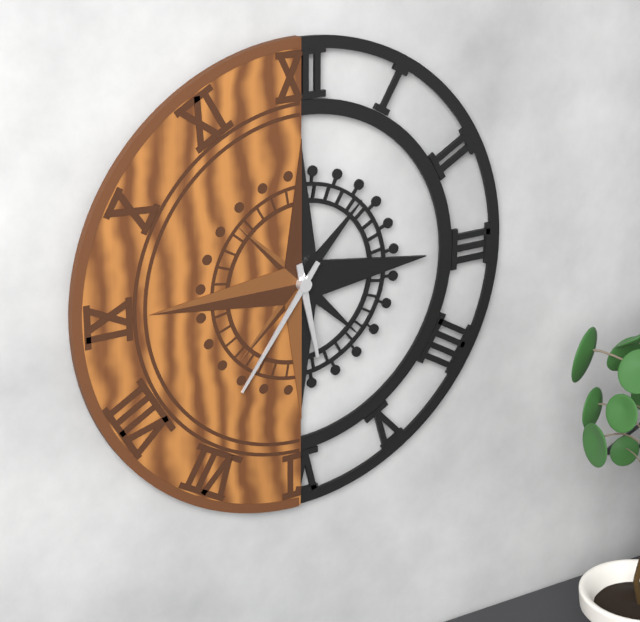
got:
**5:36**
